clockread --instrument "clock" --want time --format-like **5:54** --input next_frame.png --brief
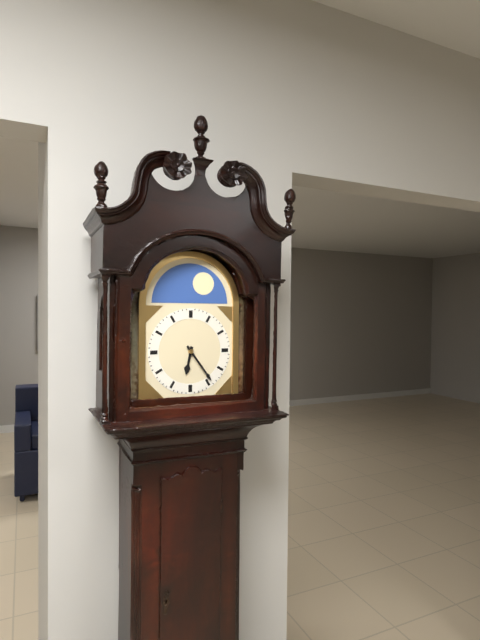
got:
**6:24**
